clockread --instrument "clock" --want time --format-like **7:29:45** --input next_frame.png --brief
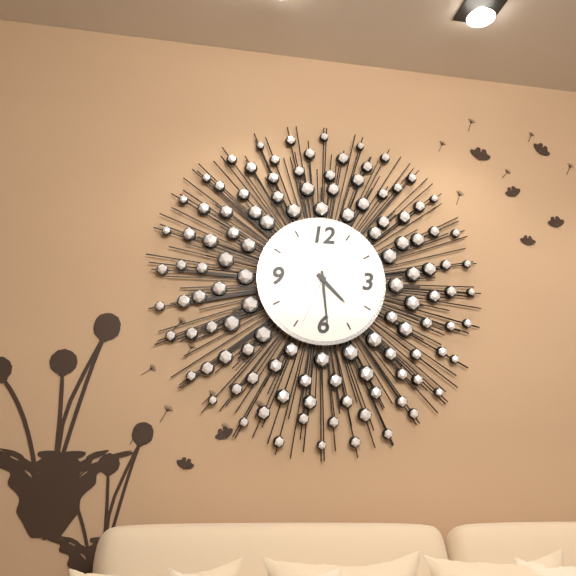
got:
**4:29:34**
